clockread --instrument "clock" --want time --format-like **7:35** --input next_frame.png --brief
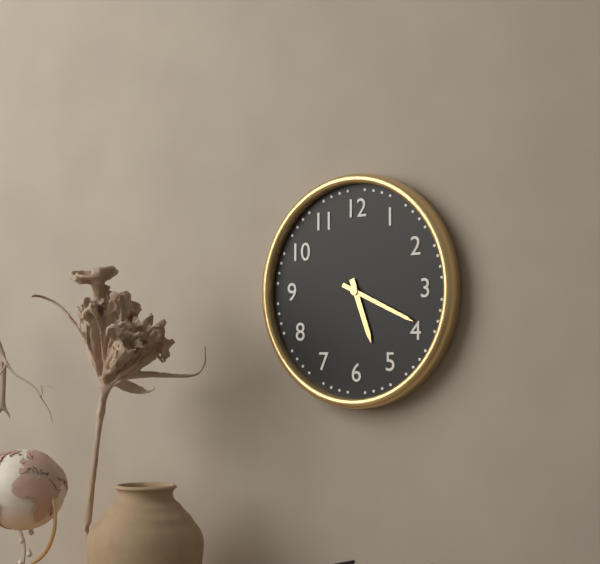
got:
**5:19**
